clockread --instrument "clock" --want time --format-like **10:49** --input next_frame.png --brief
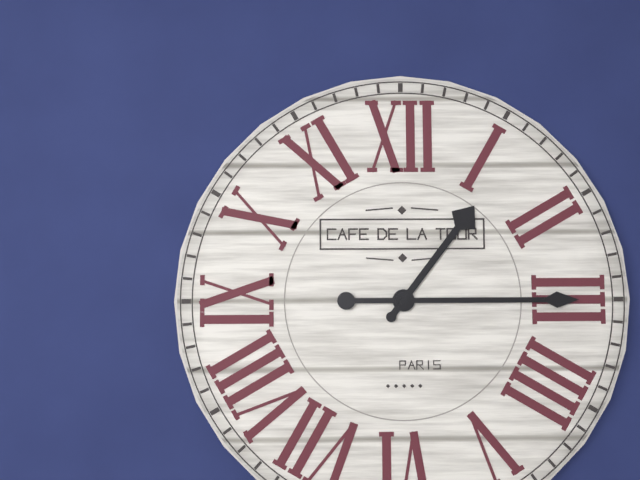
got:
**1:15**
